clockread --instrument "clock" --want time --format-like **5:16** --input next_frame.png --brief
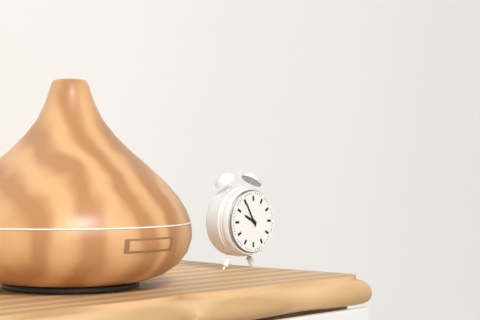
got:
**9:55**
